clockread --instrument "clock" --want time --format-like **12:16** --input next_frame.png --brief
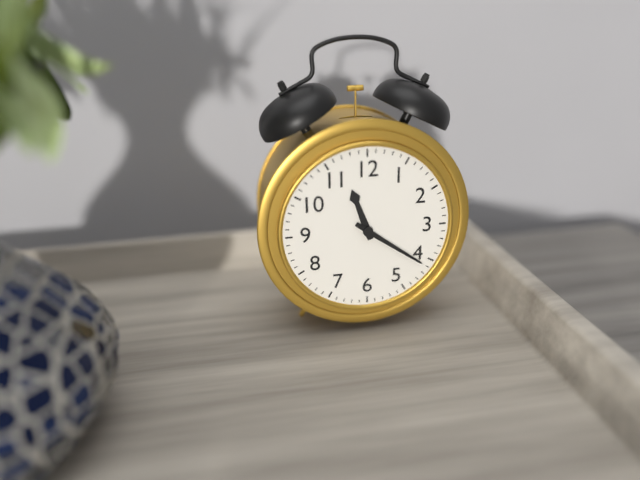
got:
**11:21**
